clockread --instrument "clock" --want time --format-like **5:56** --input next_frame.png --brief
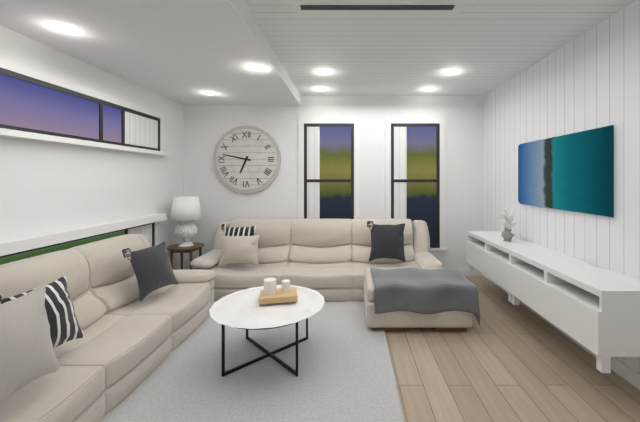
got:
**6:47**
